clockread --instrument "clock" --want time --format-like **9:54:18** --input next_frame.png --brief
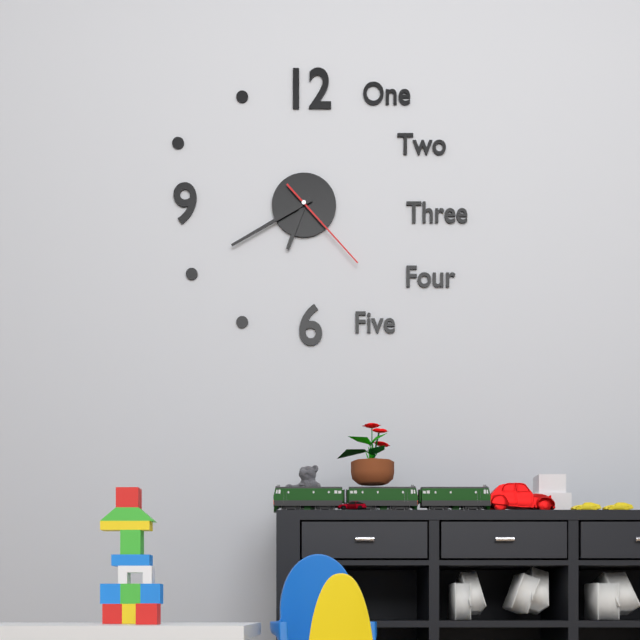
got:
**6:40:23**
